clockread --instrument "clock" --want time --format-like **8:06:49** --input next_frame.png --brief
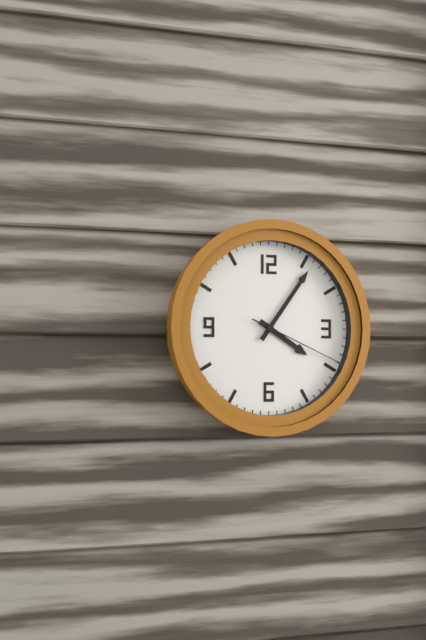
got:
**4:06:19**
